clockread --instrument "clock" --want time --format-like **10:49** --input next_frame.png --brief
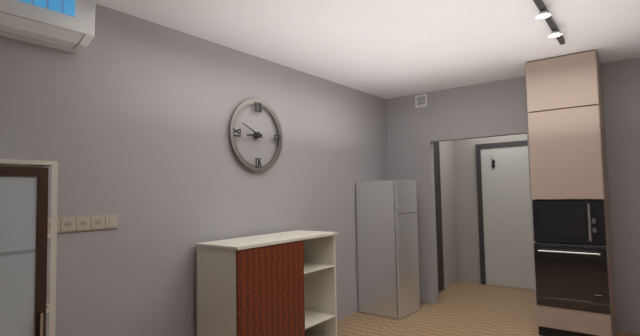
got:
**8:49**
